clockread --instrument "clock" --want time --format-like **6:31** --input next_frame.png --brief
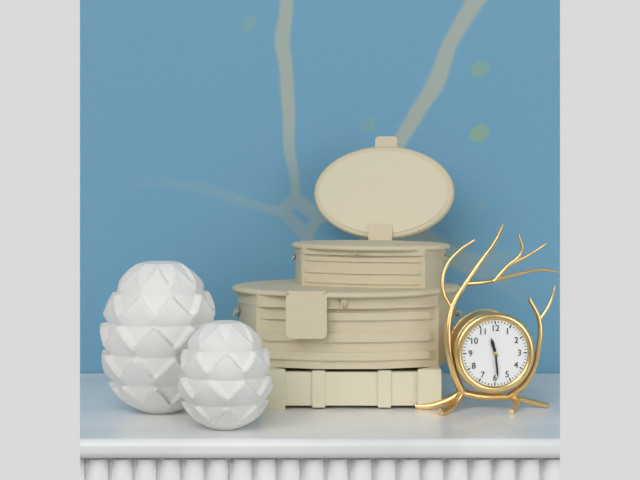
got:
**11:29**
